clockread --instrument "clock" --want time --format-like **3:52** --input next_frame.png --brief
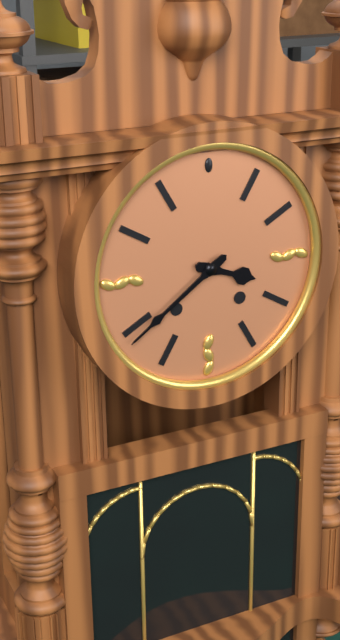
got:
**3:39**
